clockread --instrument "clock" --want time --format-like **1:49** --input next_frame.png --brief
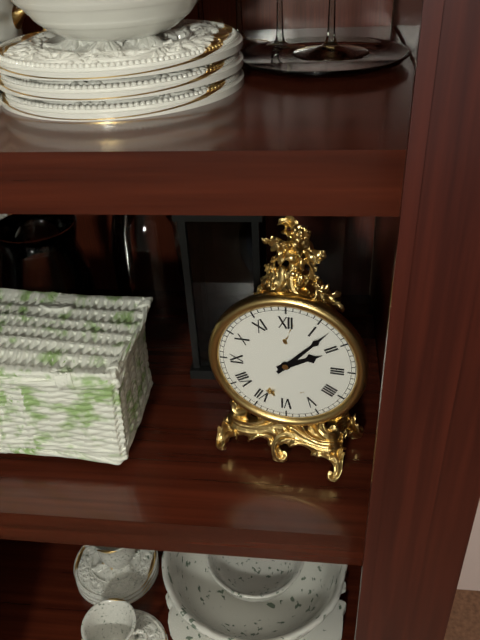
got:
**2:07**
